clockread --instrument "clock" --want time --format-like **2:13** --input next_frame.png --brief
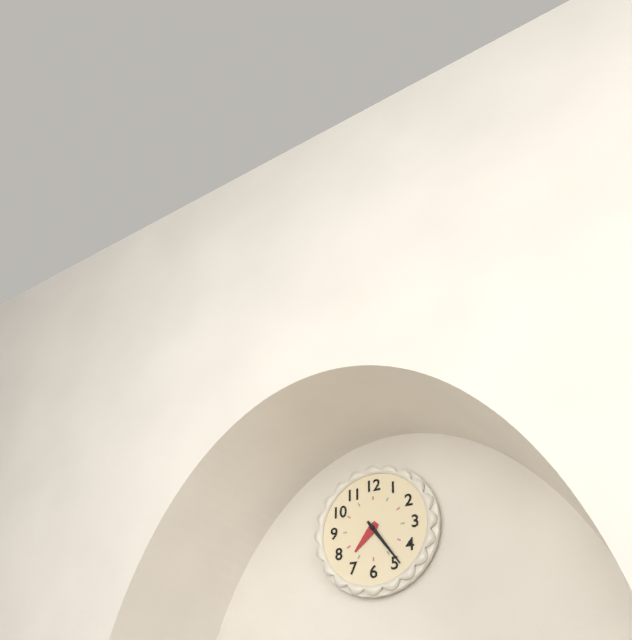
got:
**7:24**
